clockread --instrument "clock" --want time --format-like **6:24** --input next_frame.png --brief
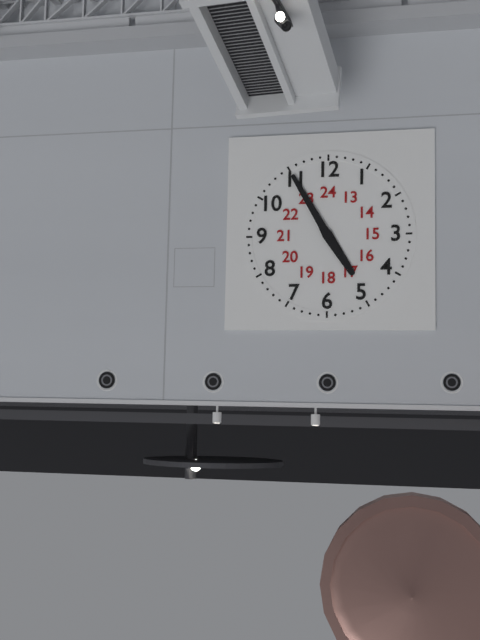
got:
**4:55**
